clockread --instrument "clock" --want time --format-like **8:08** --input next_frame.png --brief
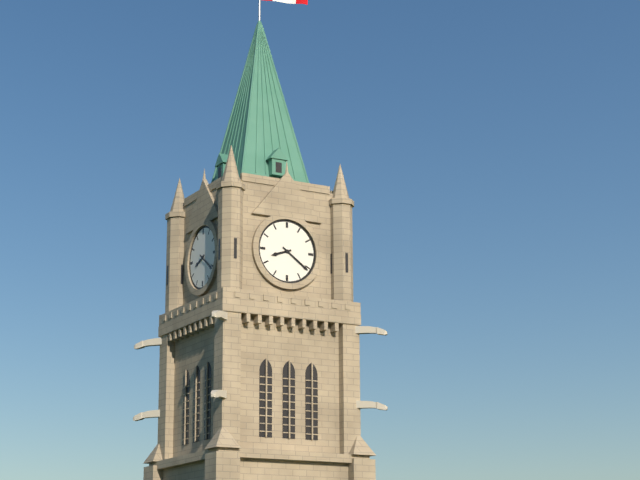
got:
**8:21**
